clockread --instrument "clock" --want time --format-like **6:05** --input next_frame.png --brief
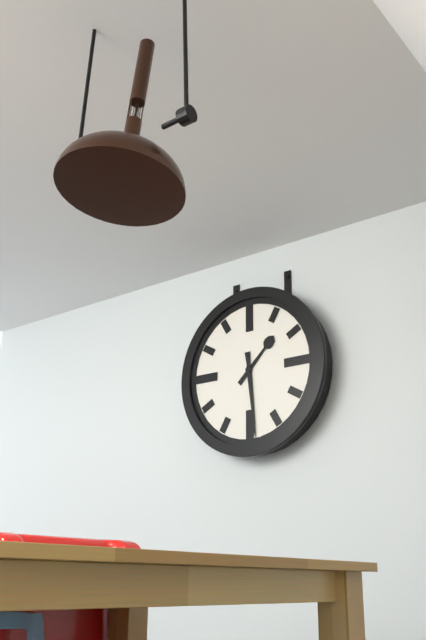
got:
**1:29**
